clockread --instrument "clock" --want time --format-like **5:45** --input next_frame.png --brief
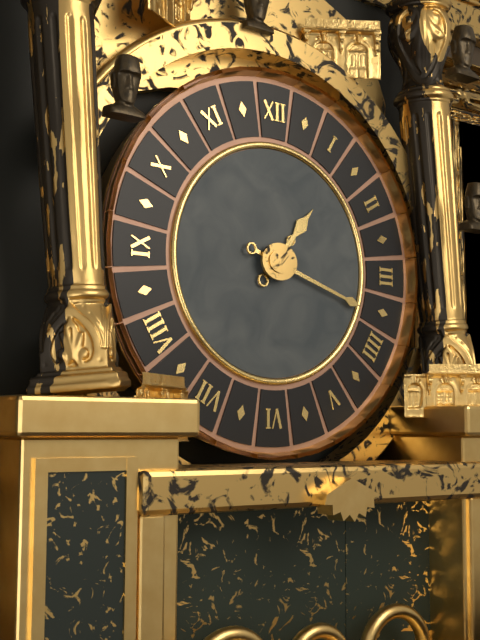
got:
**1:18**
